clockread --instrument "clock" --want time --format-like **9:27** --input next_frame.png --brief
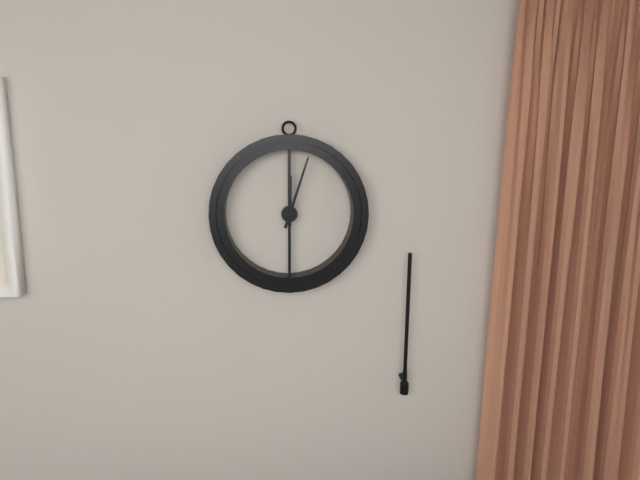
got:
**12:03**
